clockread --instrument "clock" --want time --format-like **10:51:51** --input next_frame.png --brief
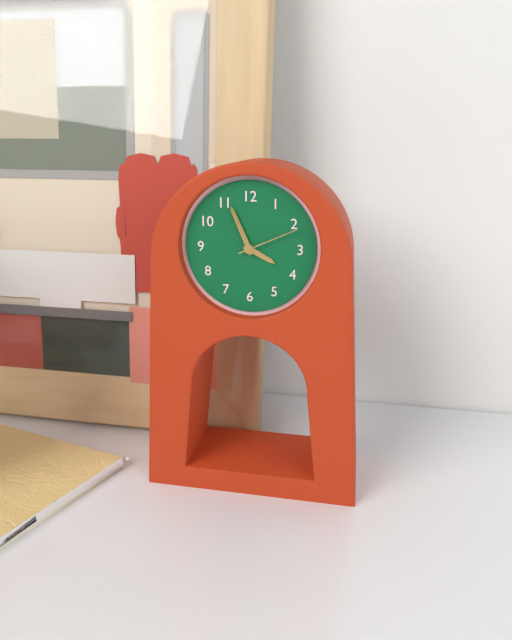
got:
**3:56:11**
